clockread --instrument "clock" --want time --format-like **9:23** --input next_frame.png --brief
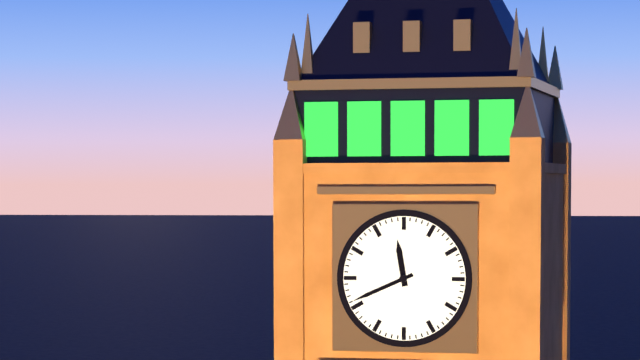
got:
**11:41**
